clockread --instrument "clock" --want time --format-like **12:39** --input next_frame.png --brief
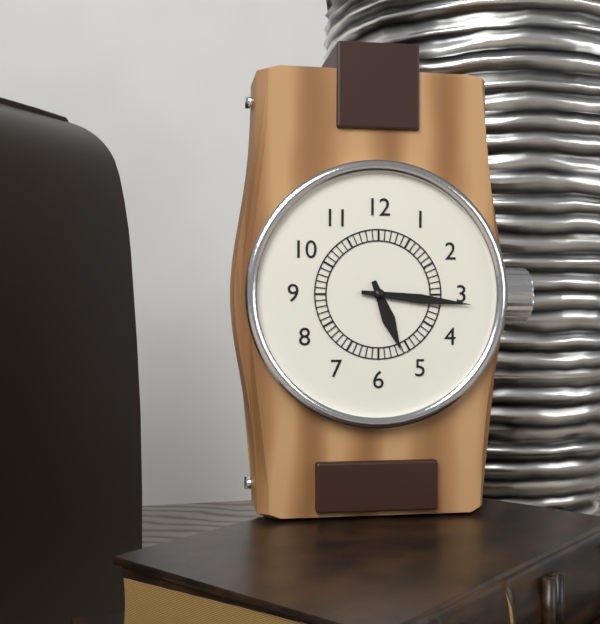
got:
**5:16**
